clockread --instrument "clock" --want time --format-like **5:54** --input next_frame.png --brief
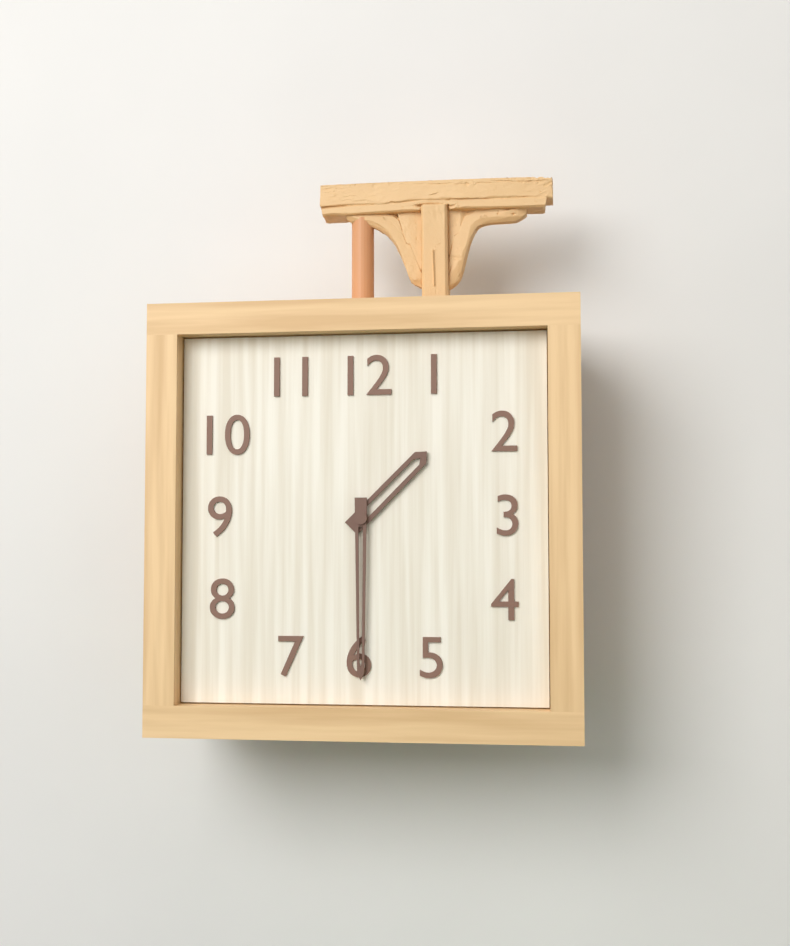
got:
**1:30**
